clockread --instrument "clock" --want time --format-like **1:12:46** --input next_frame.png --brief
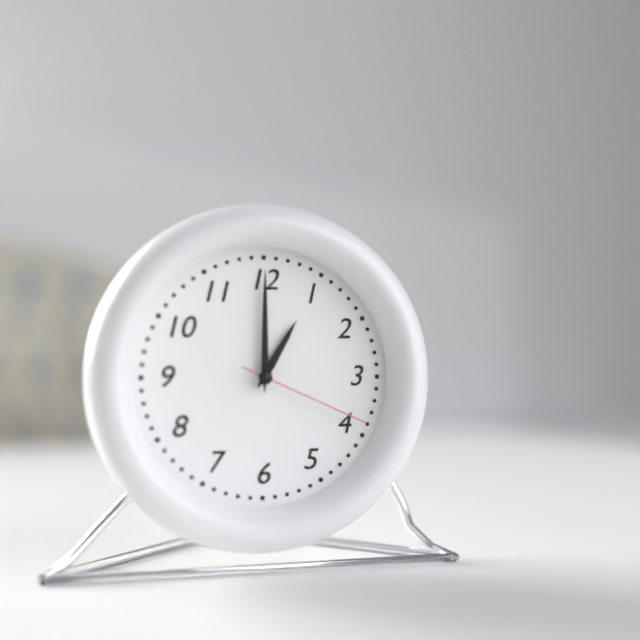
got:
**1:00:19**
